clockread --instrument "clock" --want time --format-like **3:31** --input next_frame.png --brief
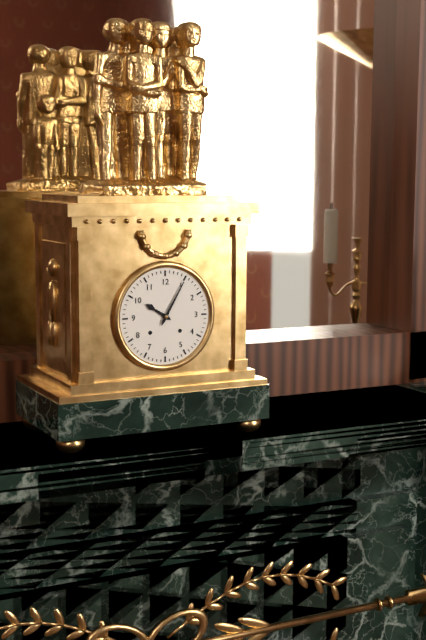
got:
**10:05**
